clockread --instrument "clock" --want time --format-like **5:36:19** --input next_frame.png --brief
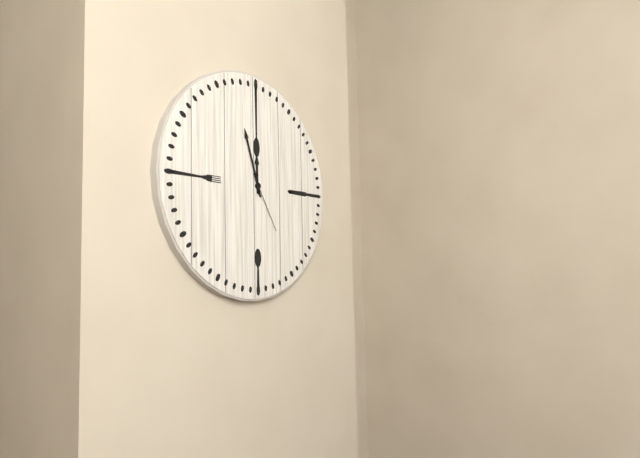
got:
**11:57:25**
